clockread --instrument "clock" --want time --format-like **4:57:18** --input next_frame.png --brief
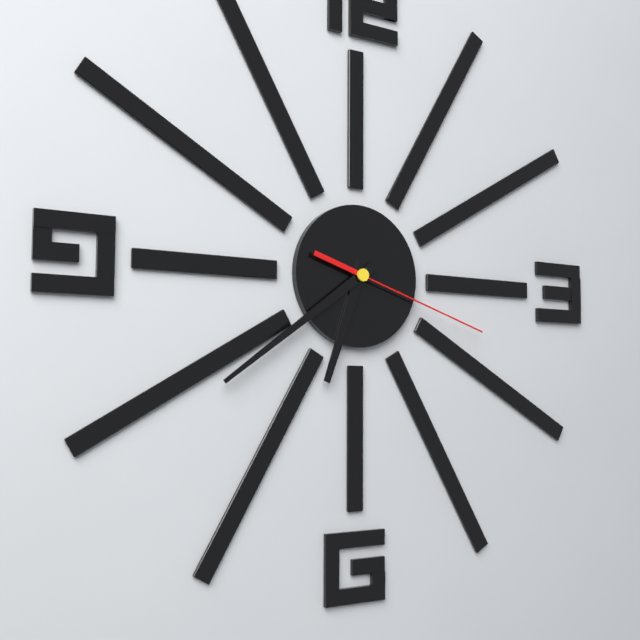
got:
**6:39:18**
